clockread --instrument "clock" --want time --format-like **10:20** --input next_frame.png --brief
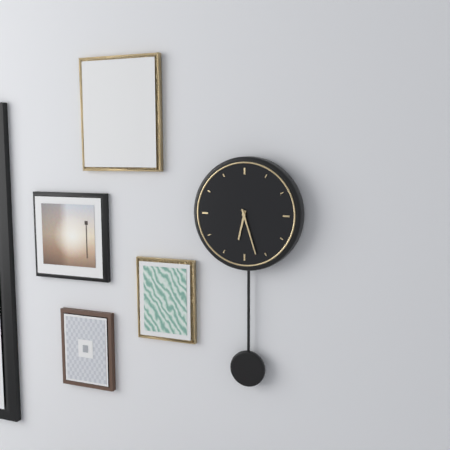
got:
**6:27**
